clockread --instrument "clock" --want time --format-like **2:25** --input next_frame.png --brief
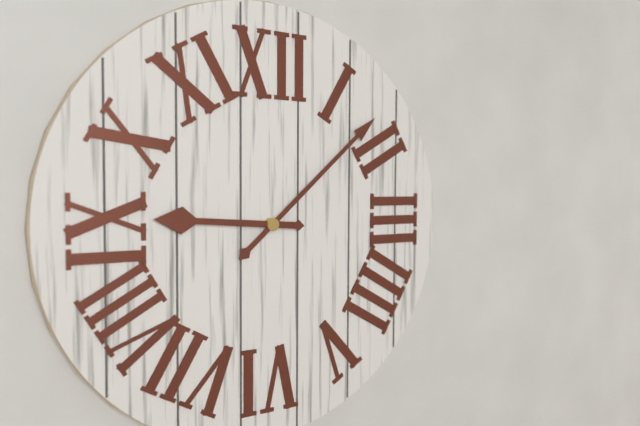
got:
**9:08**
